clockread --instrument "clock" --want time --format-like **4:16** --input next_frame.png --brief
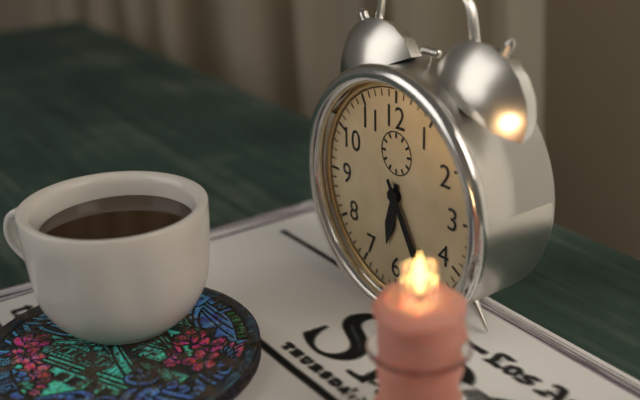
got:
**6:25**
